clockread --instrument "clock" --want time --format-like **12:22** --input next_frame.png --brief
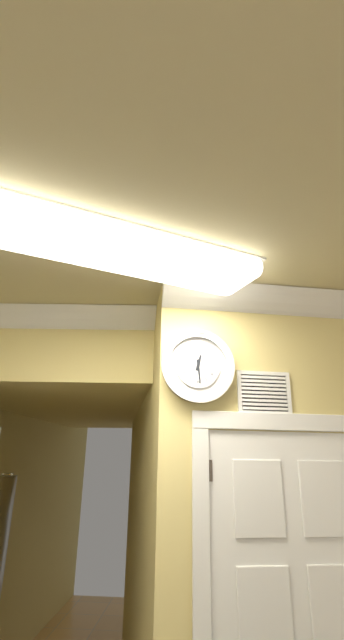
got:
**12:29**
